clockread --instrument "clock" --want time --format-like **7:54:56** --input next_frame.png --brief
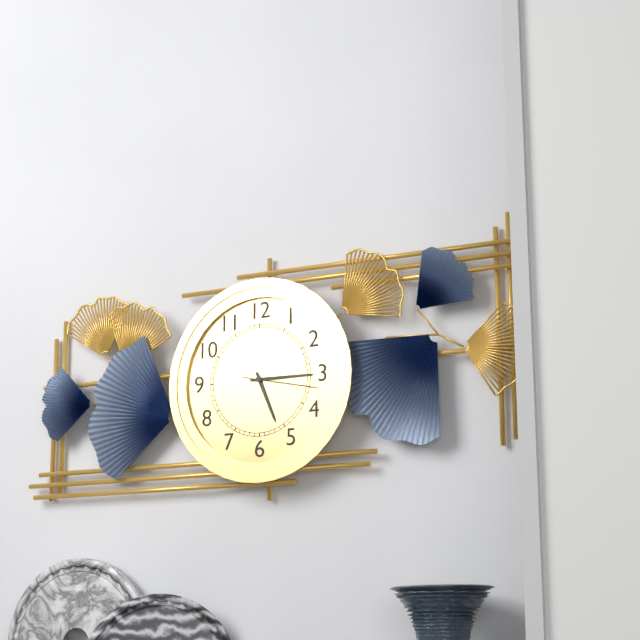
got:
**5:15:17**
